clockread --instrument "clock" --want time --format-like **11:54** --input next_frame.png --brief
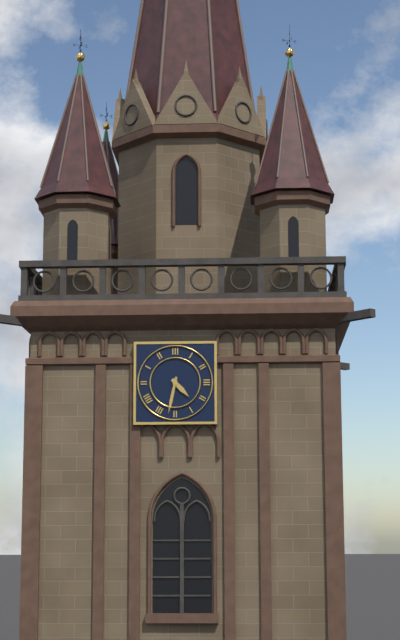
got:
**4:32**
